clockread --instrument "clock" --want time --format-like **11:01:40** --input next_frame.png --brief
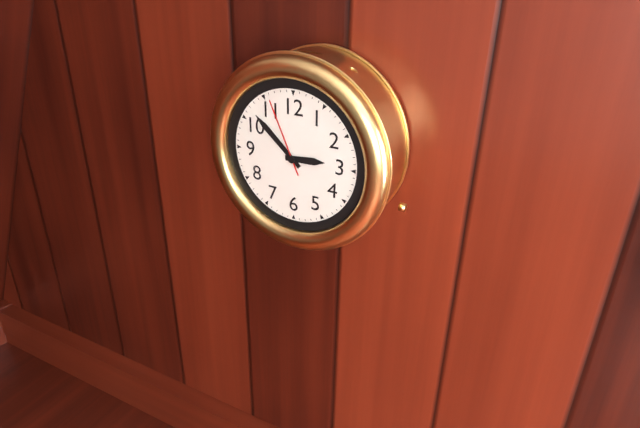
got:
**2:52:56**
